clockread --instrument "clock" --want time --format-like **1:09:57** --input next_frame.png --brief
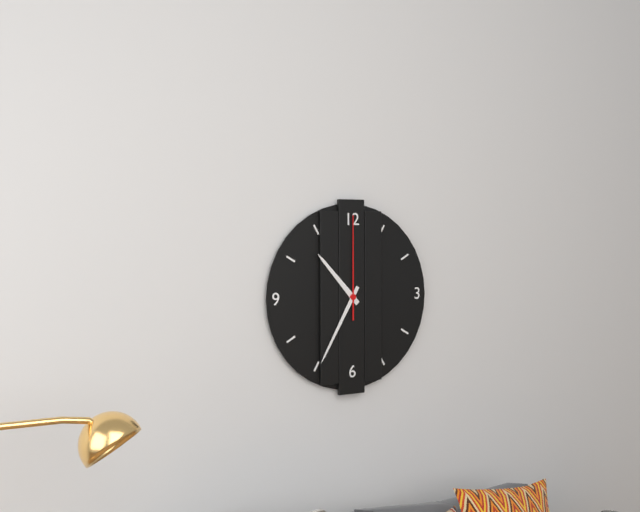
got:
**10:35:00**
